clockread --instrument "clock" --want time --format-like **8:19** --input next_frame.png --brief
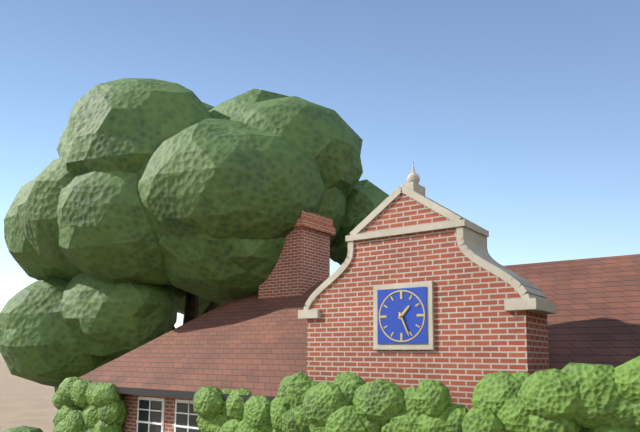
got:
**1:26**
